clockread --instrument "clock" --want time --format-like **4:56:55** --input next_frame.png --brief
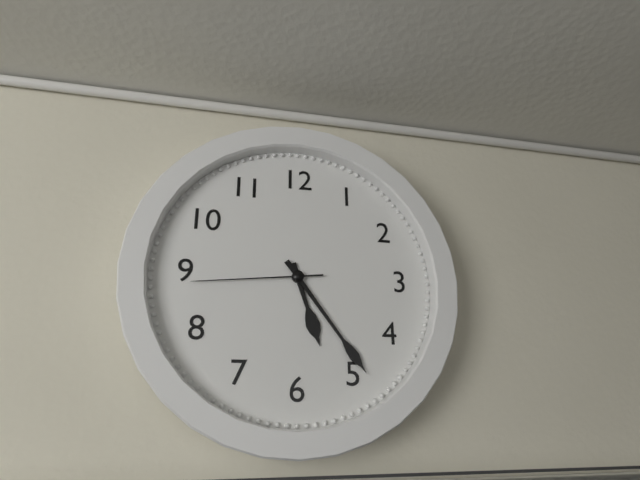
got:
**5:24:44**
